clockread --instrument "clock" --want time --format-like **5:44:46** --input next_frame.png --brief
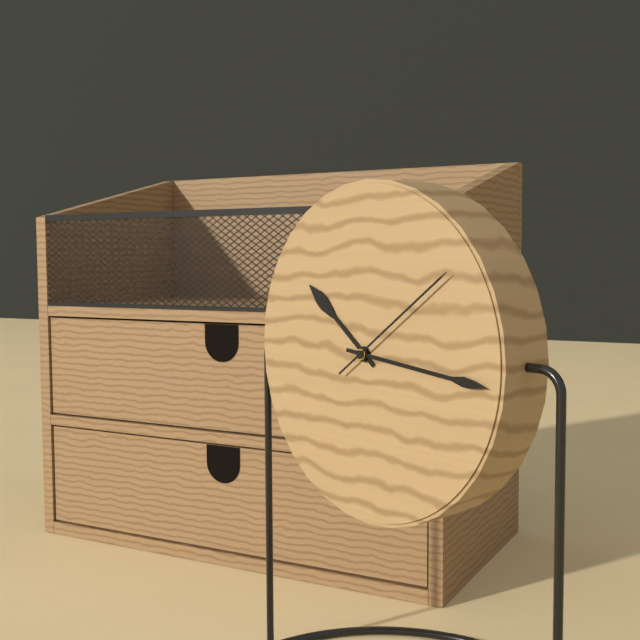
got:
**10:16:09**
